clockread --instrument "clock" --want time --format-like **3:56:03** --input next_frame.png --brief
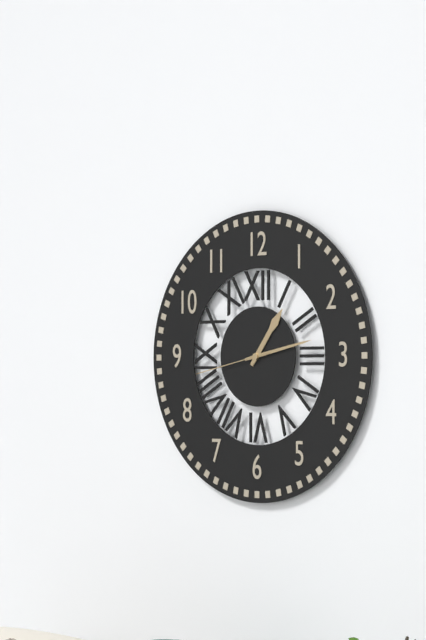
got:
**1:13:43**
